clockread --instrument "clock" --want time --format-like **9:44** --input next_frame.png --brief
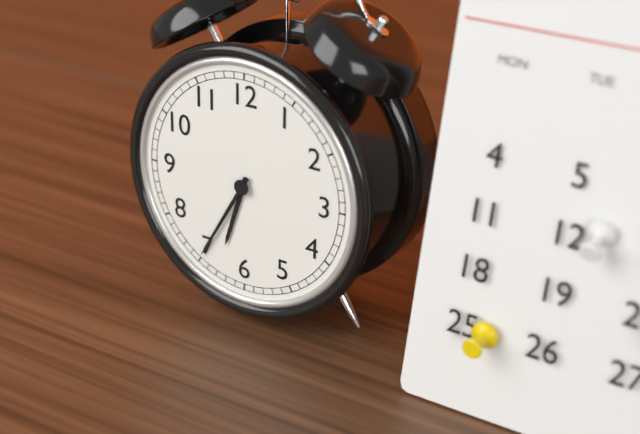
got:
**6:35**
